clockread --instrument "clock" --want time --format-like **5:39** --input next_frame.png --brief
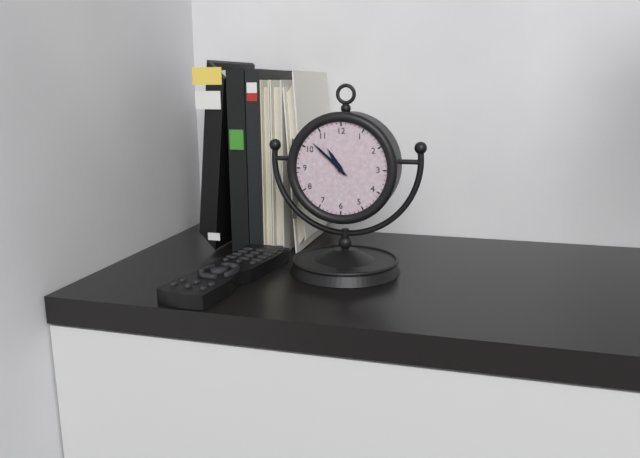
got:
**10:52**
